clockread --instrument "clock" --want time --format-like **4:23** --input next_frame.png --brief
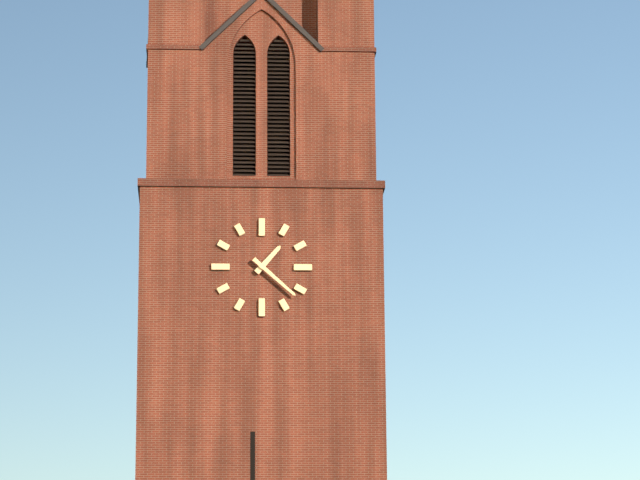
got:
**1:22**
